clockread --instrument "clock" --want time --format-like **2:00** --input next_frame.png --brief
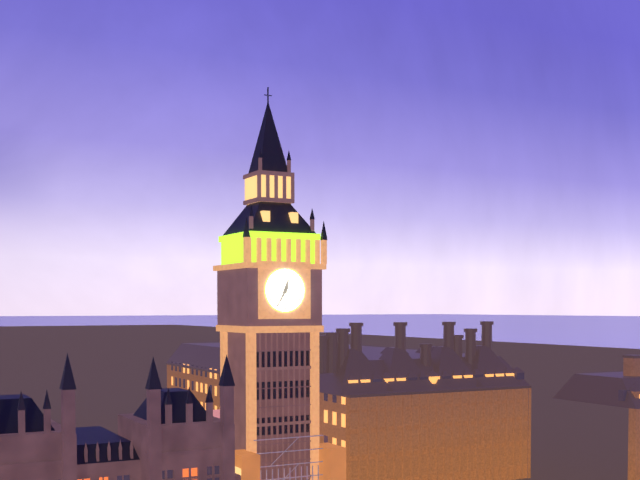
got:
**12:35**
